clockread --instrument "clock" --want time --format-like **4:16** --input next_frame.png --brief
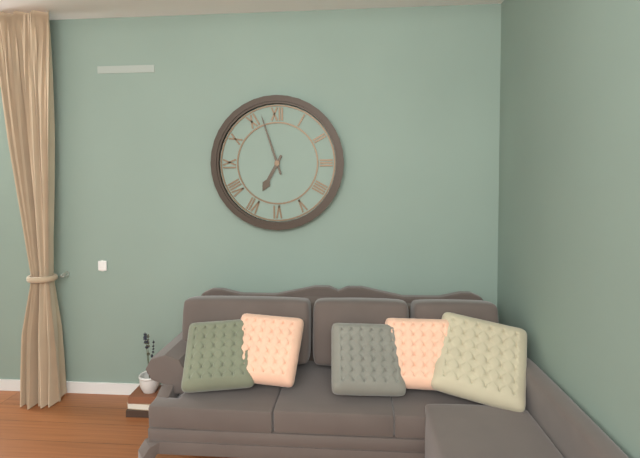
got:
**6:57**
